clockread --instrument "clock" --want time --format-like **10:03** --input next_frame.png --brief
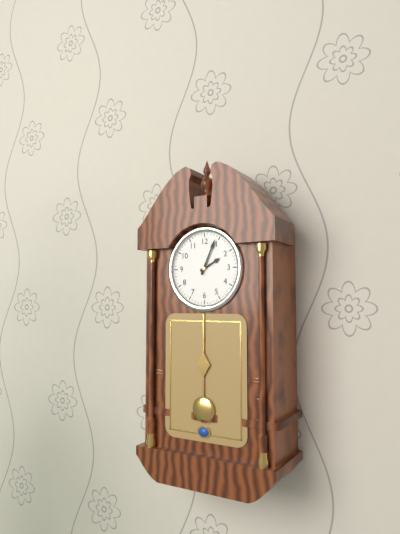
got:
**2:04**
